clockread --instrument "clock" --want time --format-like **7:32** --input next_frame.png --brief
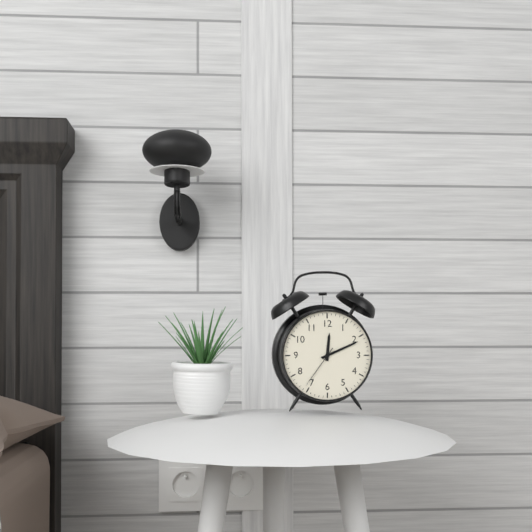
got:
**12:11**
